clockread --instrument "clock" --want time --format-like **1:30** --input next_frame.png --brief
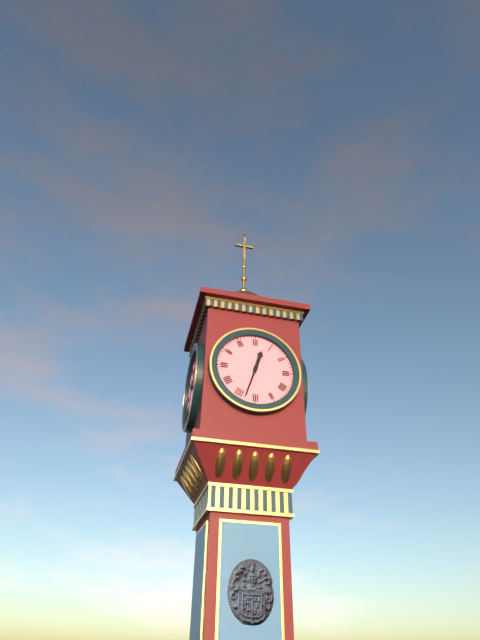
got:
**12:33**
